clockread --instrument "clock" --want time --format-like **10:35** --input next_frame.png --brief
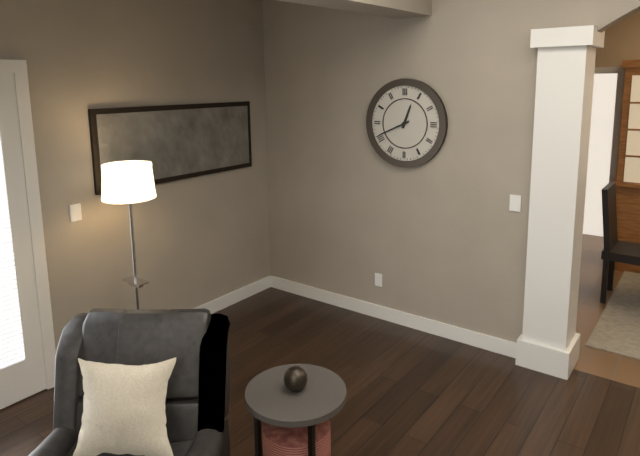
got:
**12:41**
